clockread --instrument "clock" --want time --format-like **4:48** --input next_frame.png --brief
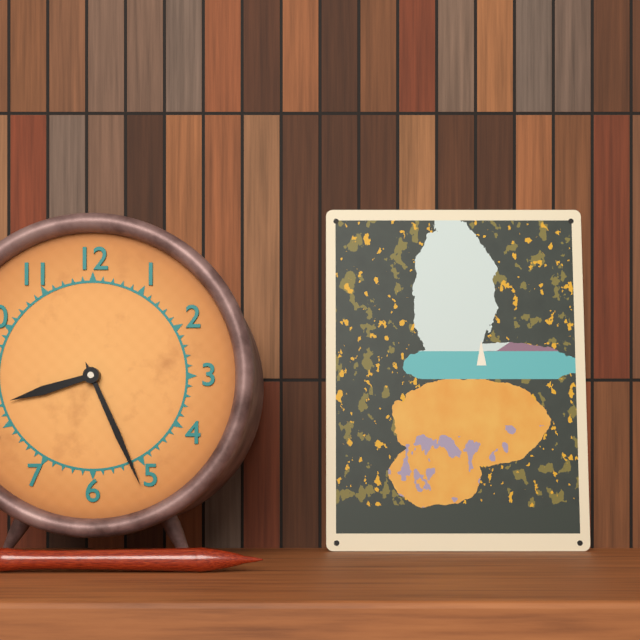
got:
**8:26**
